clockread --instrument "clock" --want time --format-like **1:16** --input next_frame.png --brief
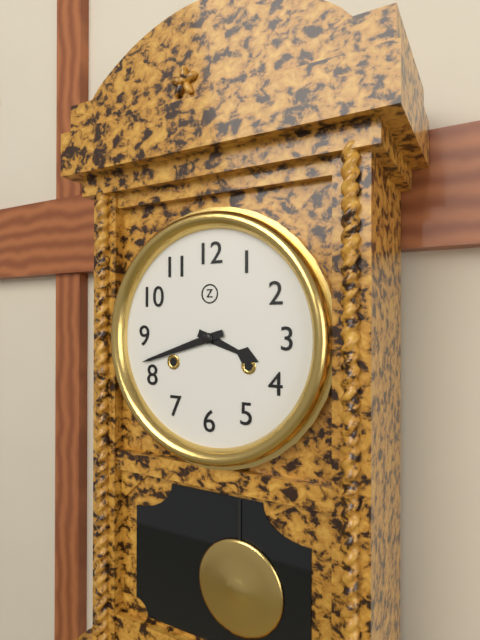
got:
**3:42**
